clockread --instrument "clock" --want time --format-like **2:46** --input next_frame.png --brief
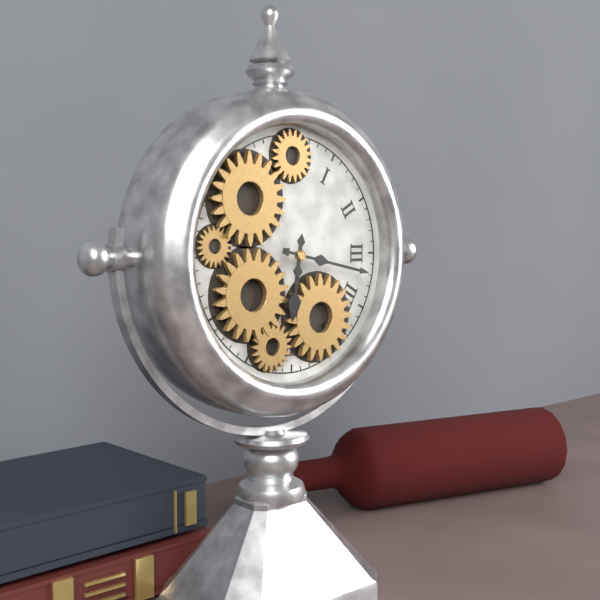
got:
**6:17**
